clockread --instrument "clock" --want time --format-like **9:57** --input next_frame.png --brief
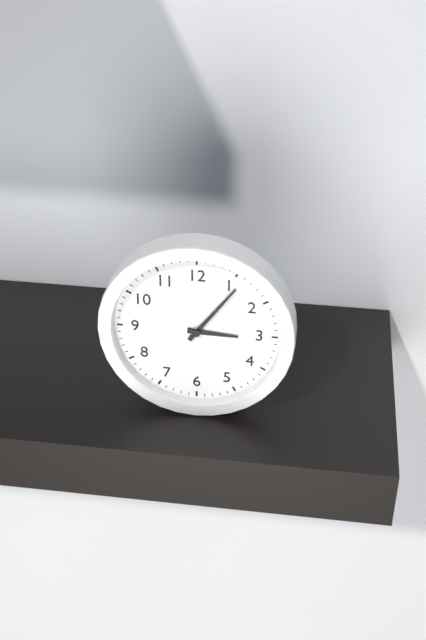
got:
**3:06**
